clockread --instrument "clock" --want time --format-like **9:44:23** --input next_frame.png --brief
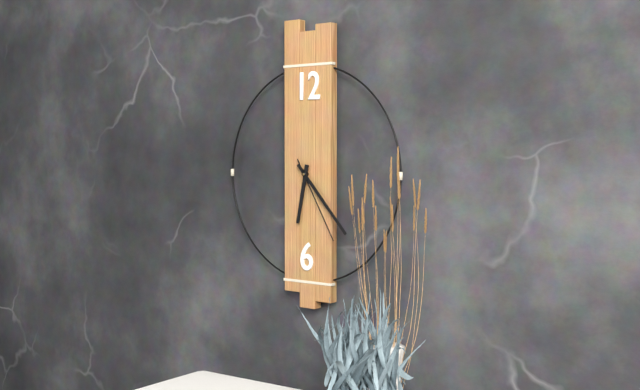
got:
**6:23:25**
